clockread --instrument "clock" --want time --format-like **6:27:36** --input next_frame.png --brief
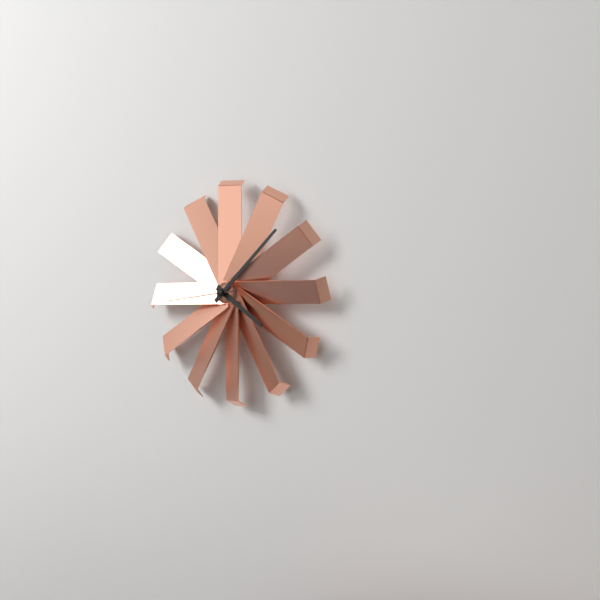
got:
**4:08:44**
